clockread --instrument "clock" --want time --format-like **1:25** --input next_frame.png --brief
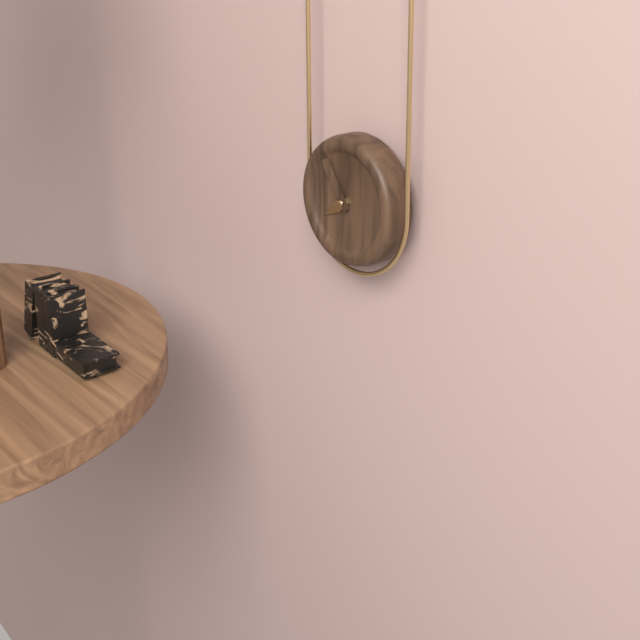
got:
**7:54**
